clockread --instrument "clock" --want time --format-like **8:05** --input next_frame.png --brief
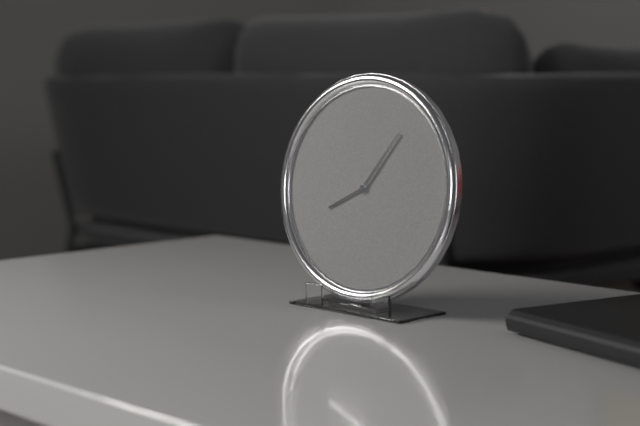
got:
**8:06**
